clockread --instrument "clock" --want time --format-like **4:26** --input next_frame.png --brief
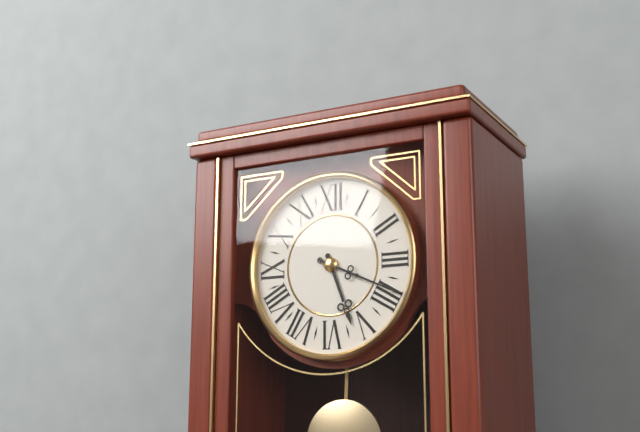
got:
**5:19**
